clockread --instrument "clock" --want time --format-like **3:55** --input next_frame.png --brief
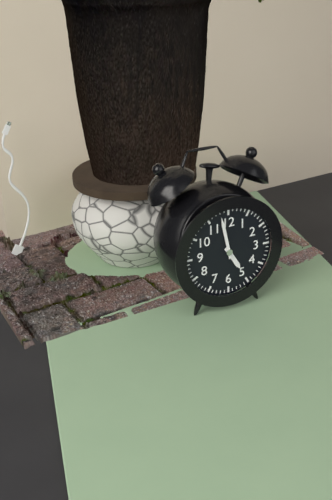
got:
**4:58**
